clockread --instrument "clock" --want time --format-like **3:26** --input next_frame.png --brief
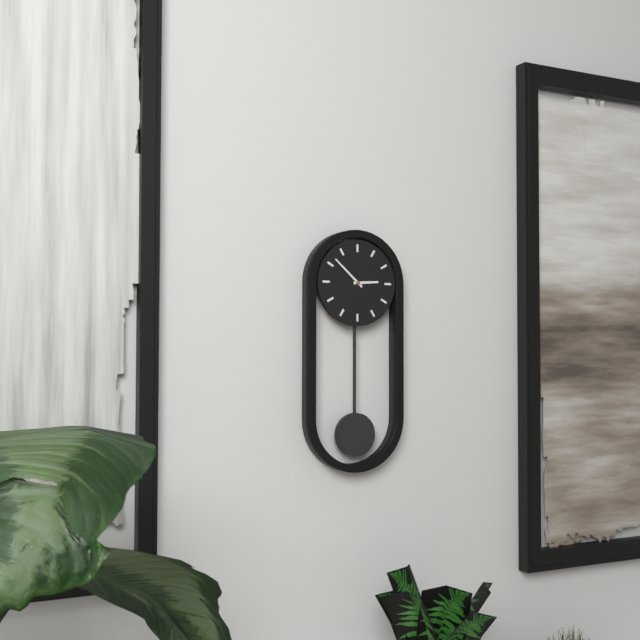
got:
**2:52**
